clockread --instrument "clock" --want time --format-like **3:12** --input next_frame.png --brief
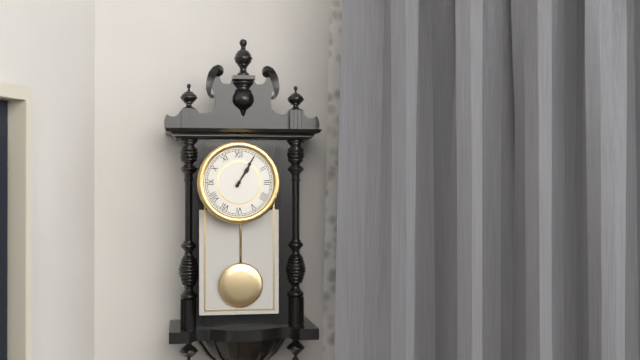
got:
**1:05**
